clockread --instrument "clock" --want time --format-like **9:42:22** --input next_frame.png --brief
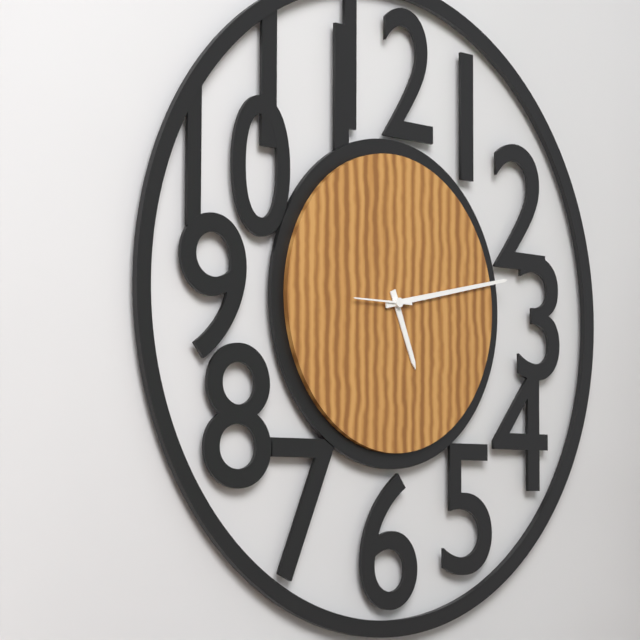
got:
**5:13:45**
